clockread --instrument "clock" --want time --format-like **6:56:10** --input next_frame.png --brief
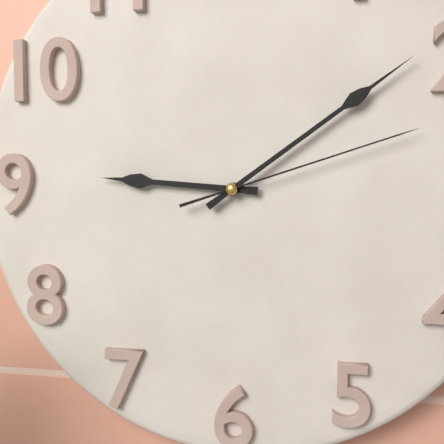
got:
**9:09:12**
